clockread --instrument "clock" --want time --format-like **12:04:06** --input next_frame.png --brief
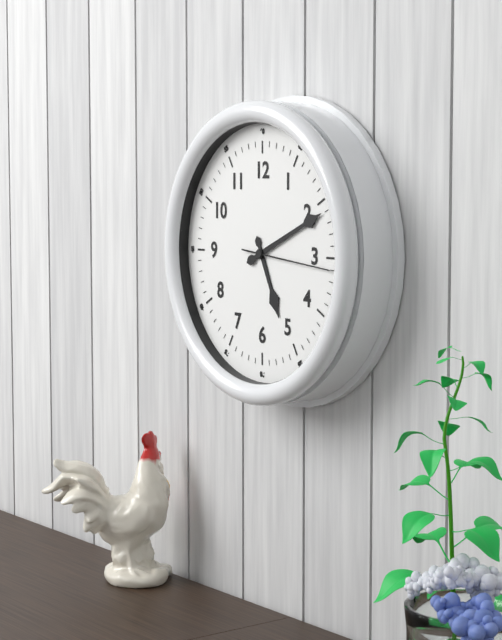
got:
**5:11:16**
